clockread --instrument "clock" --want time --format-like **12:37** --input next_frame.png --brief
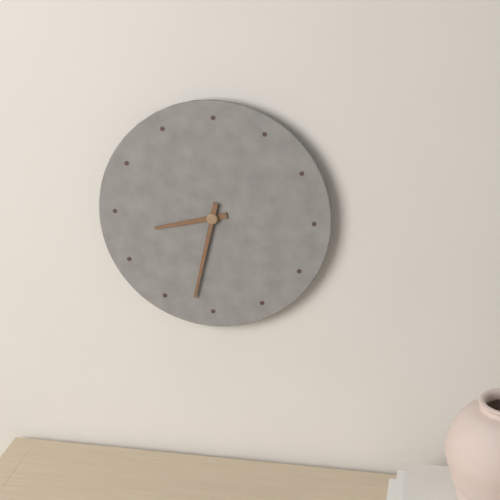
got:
**8:32**
